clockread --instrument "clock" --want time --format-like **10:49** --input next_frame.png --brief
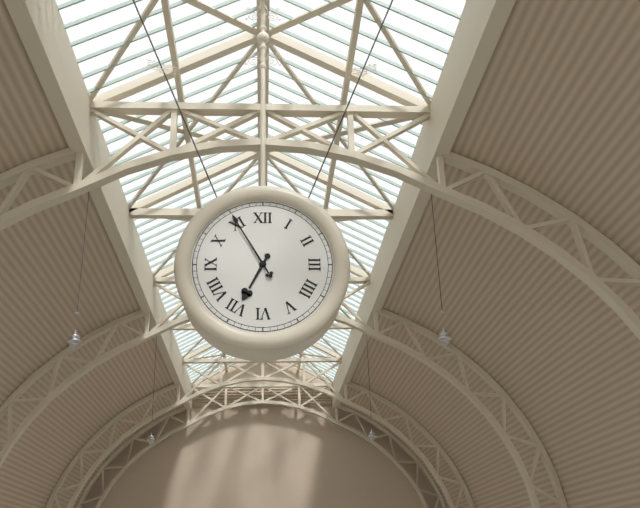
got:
**6:55**
